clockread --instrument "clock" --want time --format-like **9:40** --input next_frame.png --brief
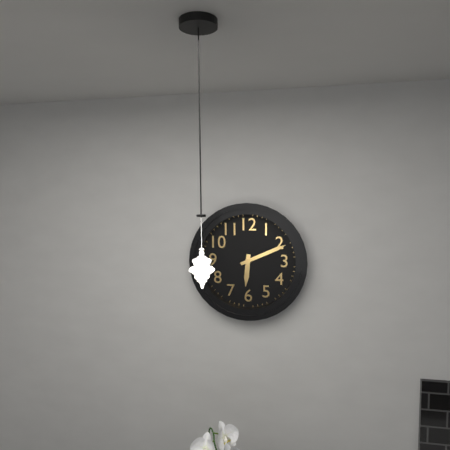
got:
**6:11**
